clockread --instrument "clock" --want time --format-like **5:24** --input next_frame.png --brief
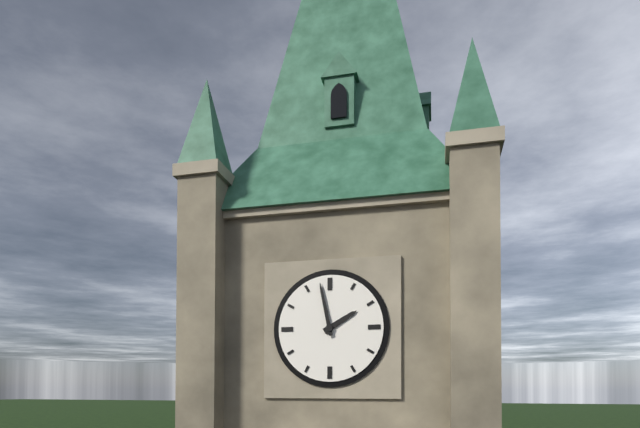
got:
**1:58**
